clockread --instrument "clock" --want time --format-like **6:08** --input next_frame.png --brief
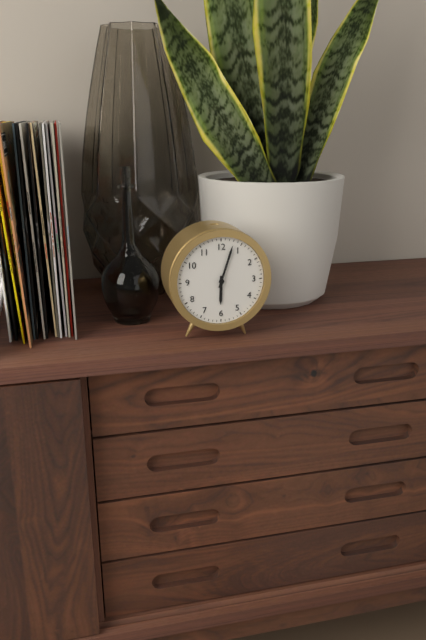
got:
**6:03**
